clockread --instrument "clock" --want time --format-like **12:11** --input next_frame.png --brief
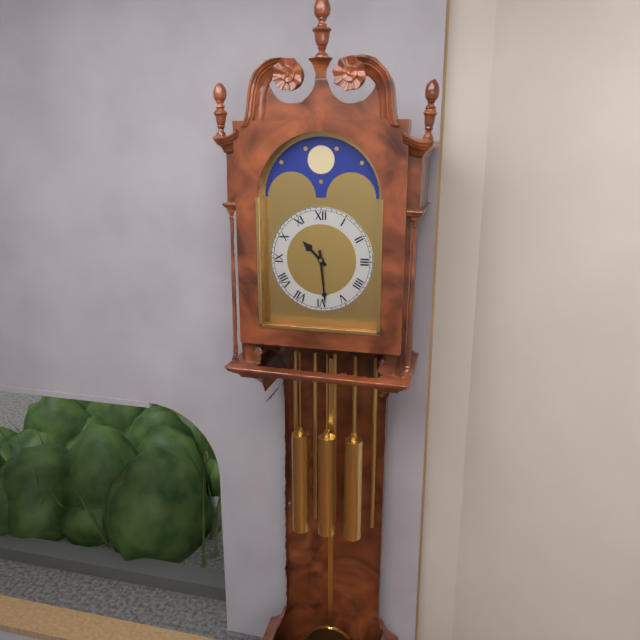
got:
**10:29**
